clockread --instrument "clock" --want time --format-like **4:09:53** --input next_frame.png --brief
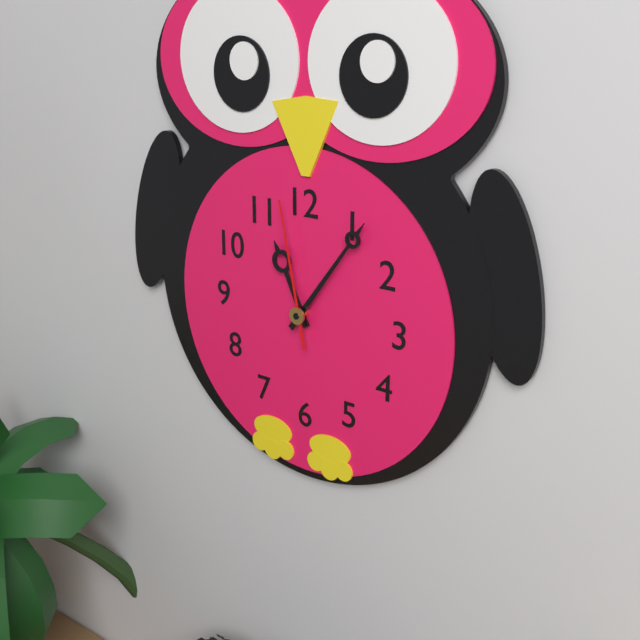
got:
**11:06:58**
